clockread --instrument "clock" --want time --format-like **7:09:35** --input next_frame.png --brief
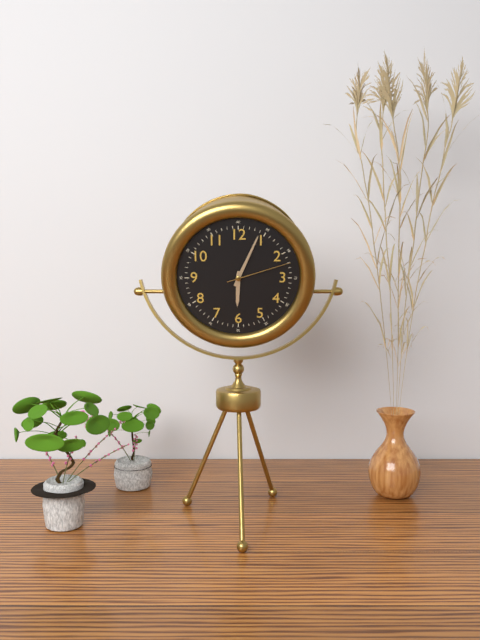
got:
**6:04:12**
